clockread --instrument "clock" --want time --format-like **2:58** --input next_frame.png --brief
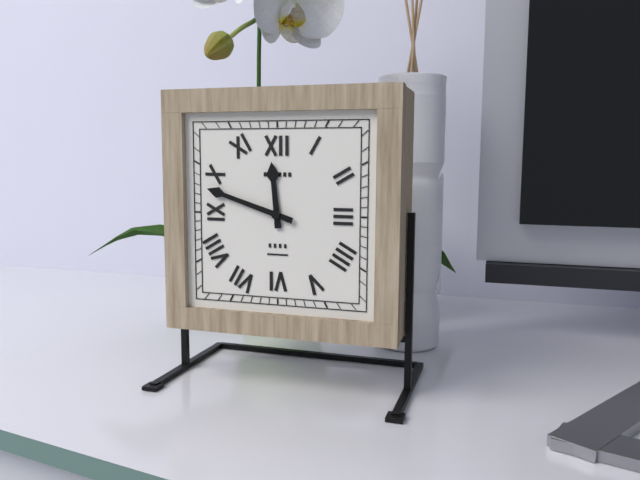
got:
**11:48**
